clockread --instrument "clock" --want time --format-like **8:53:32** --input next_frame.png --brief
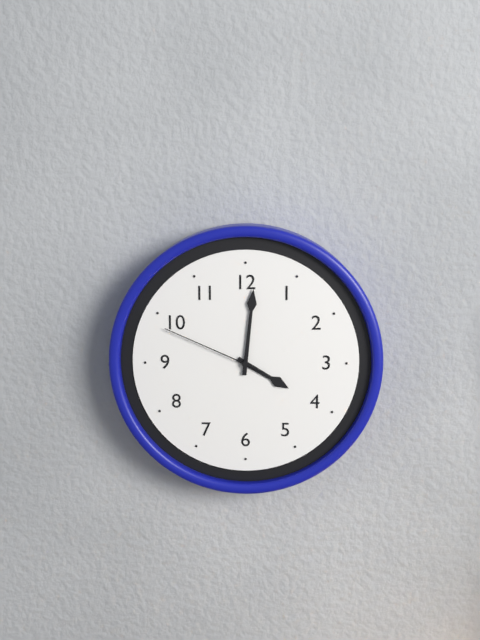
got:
**4:01:49**
